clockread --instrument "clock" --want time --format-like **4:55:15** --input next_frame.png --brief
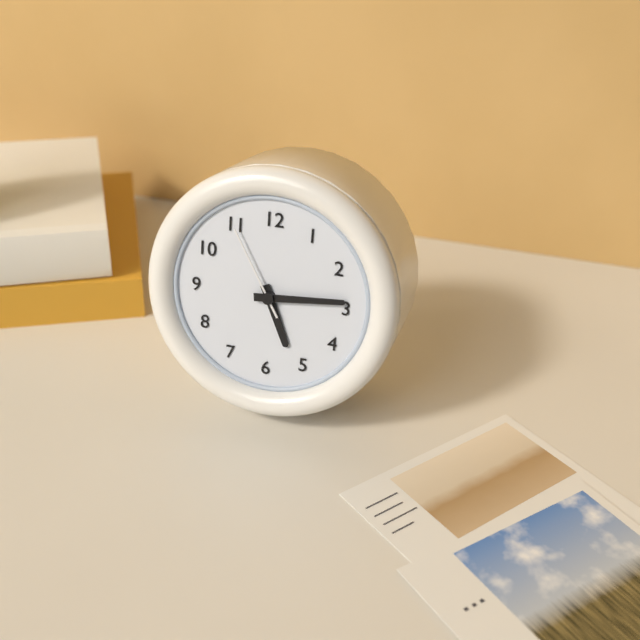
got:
**5:14:55**
